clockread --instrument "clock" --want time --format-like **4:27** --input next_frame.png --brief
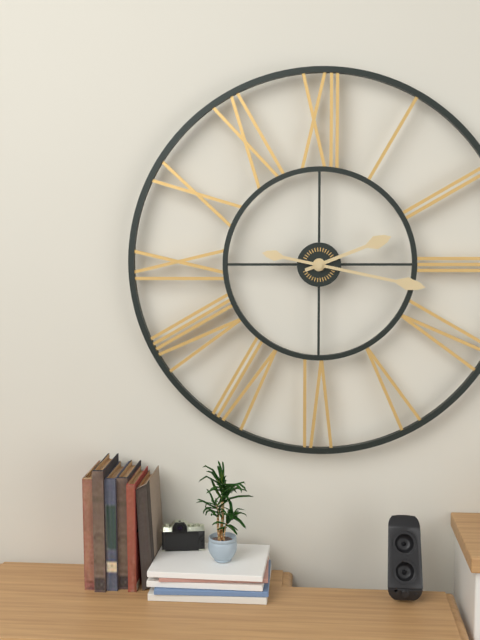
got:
**2:17**
